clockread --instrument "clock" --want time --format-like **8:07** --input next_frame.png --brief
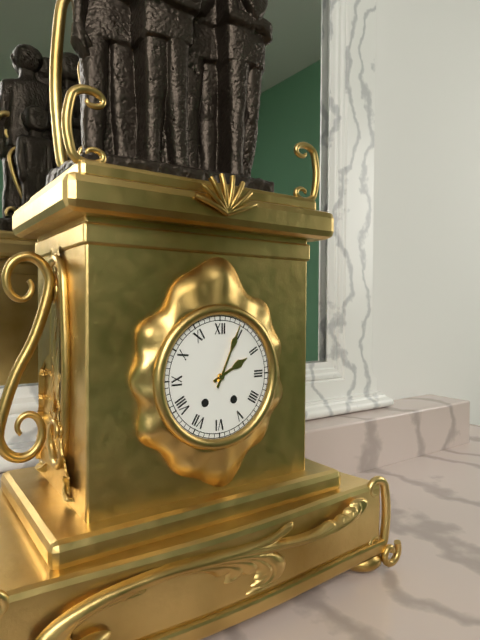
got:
**2:04**
